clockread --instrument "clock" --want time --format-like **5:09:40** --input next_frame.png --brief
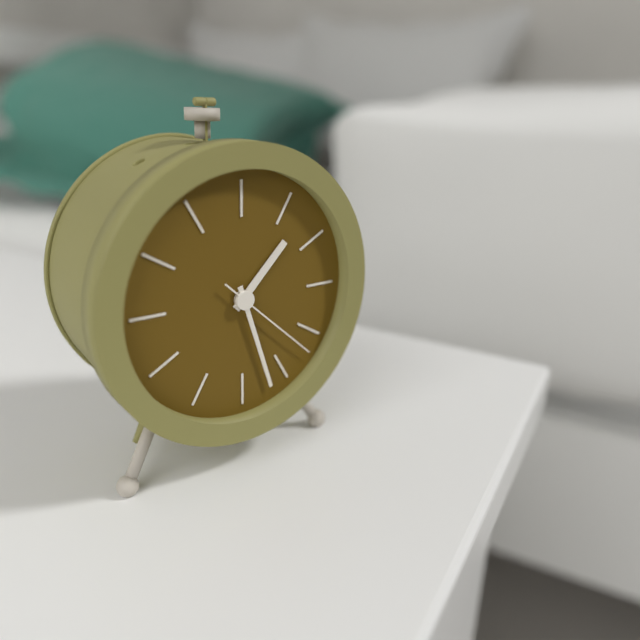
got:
**1:27:22**
